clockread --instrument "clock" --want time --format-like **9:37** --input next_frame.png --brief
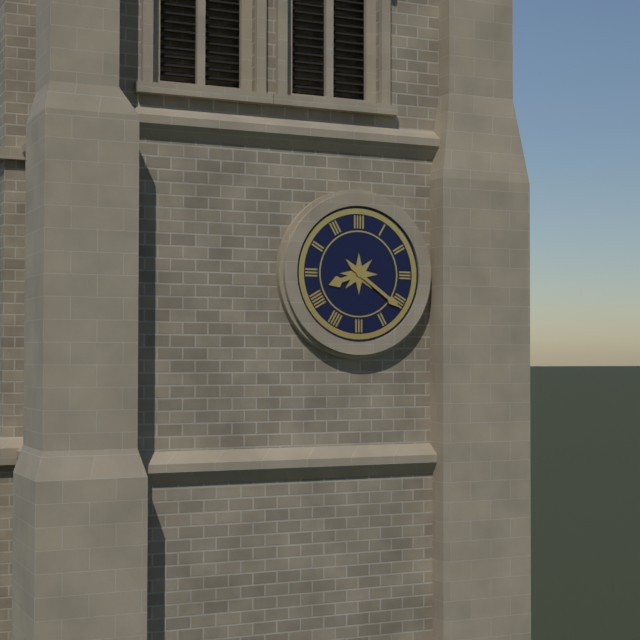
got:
**8:21**
